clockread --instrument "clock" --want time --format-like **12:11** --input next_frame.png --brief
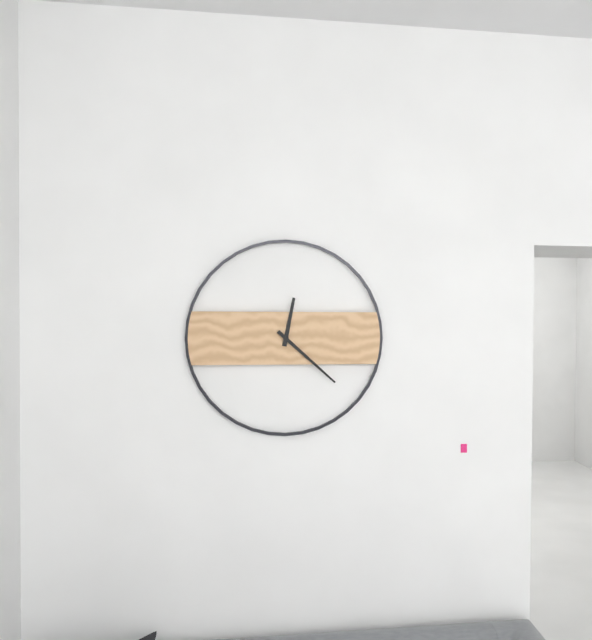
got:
**12:22**
